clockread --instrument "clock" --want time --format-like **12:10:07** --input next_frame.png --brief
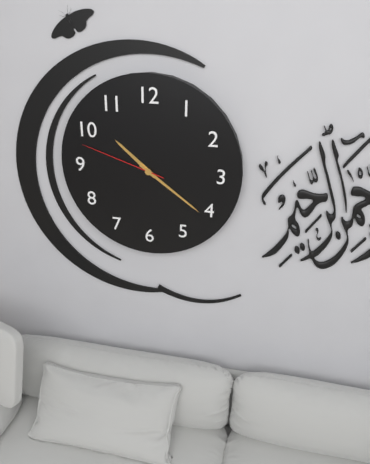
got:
**10:21:48**
